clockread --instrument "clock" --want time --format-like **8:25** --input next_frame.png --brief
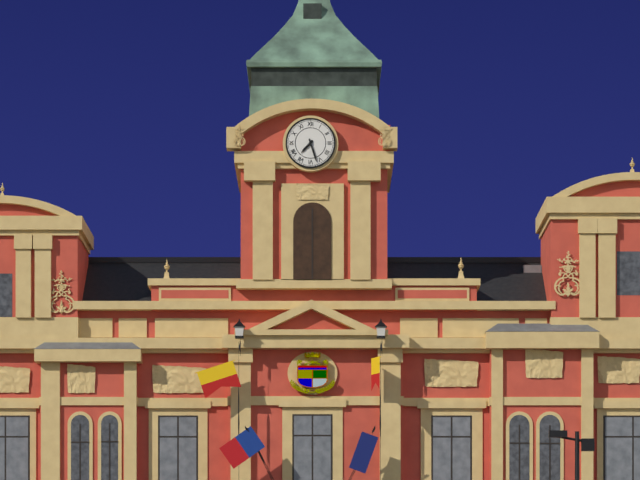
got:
**7:27**
